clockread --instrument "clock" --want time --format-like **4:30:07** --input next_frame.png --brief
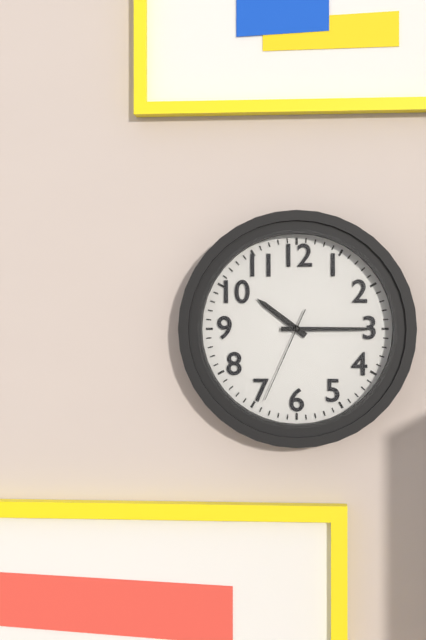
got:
**10:15:34**
